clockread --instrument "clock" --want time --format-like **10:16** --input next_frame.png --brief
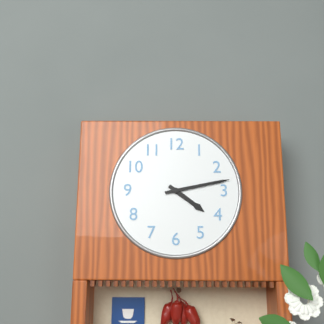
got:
**4:13**
